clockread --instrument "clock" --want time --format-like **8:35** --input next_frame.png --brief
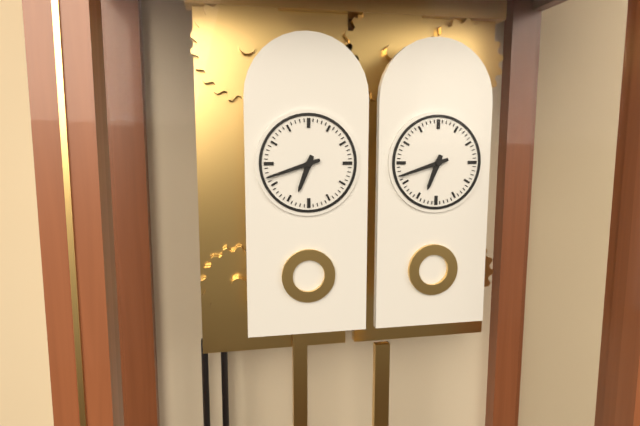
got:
**6:42**
